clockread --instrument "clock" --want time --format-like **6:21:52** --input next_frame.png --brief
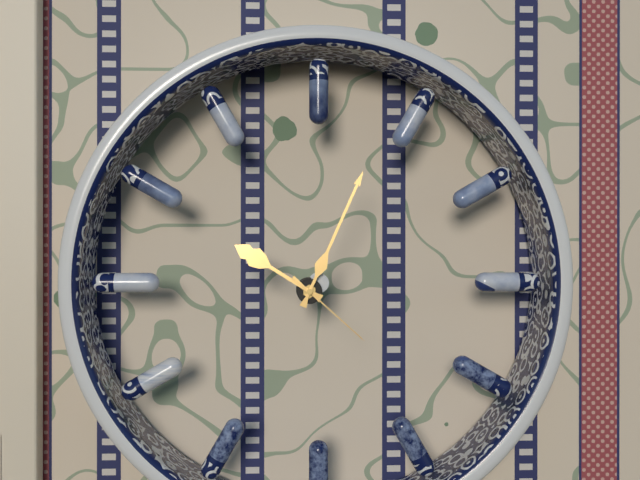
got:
**10:04:22**
